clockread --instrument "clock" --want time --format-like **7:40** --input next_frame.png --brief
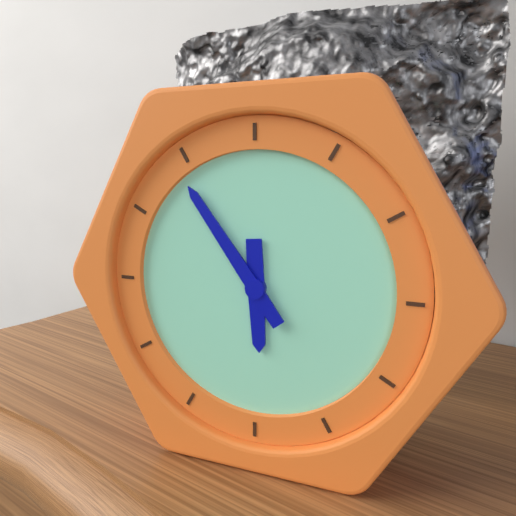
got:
**5:54**
